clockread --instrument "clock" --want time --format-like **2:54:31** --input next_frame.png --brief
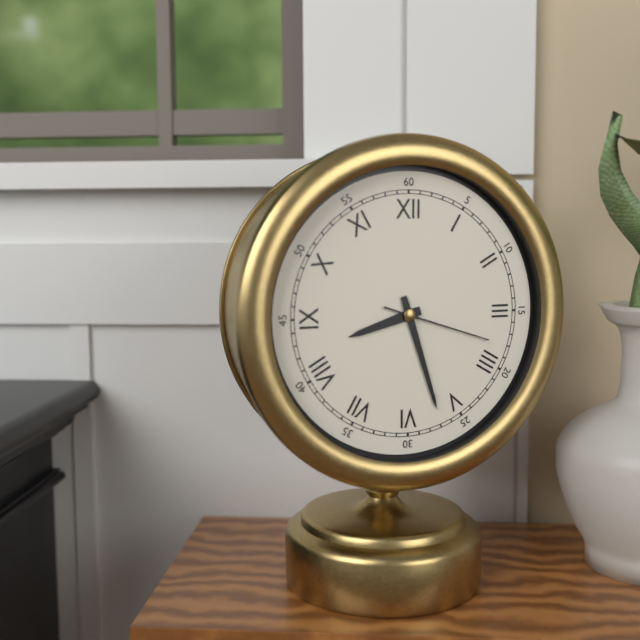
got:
**8:27:18**
